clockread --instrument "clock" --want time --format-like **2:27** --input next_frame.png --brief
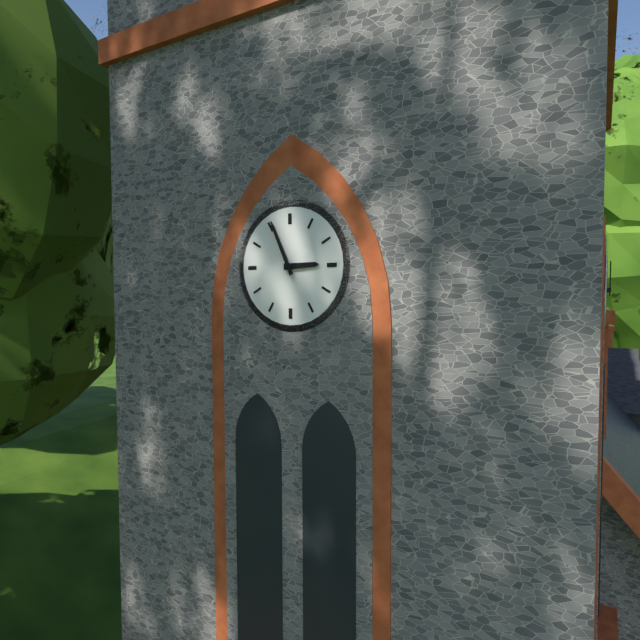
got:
**2:56**
